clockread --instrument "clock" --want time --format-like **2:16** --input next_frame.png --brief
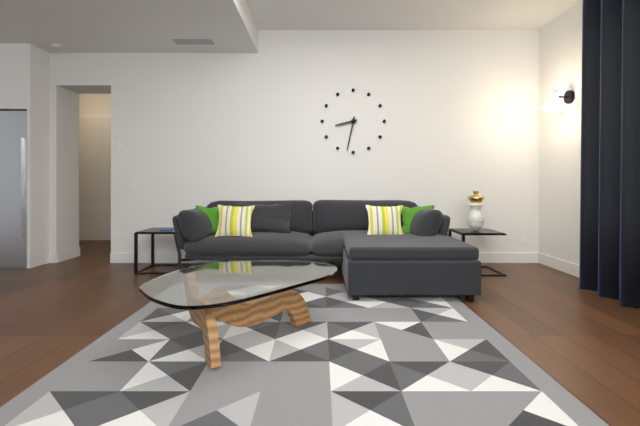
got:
**8:32**
